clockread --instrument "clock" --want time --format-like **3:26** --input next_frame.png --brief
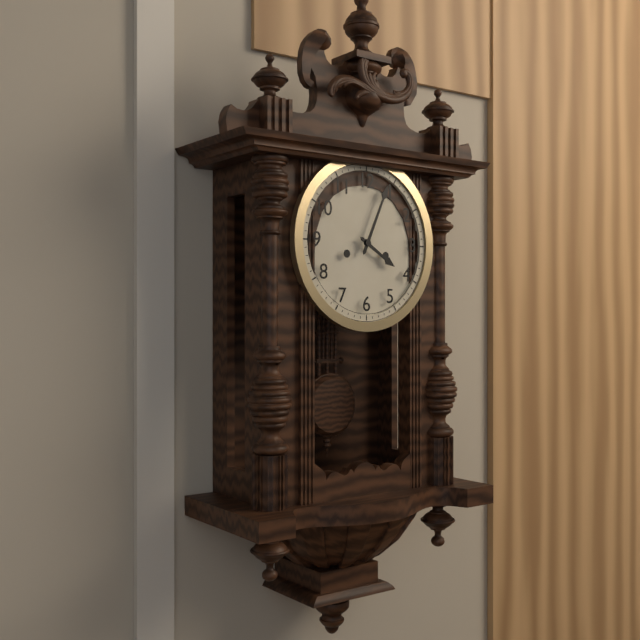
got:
**4:04**
